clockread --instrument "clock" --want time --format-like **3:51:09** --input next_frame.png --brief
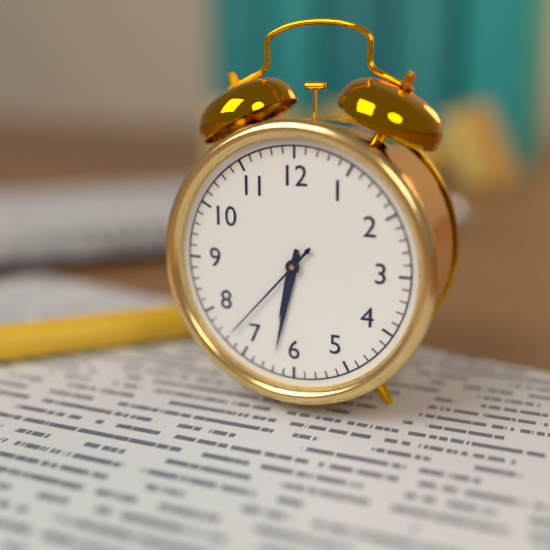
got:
**6:32:37**
